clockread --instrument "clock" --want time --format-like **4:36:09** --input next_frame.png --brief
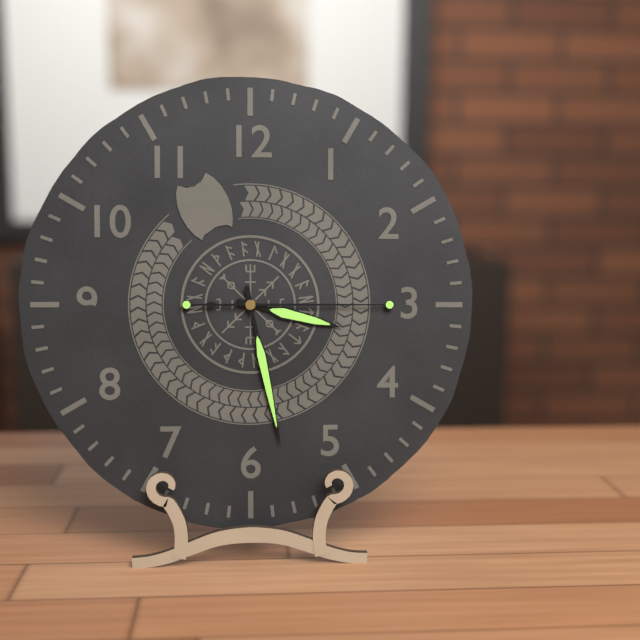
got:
**3:28:15**
